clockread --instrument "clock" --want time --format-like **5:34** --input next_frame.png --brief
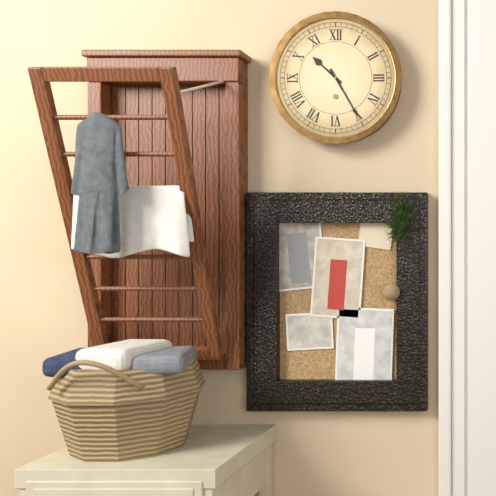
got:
**10:25**
